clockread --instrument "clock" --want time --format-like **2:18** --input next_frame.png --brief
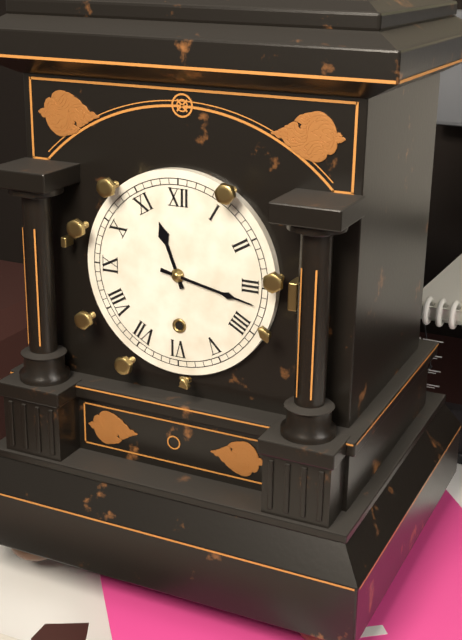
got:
**11:17**
